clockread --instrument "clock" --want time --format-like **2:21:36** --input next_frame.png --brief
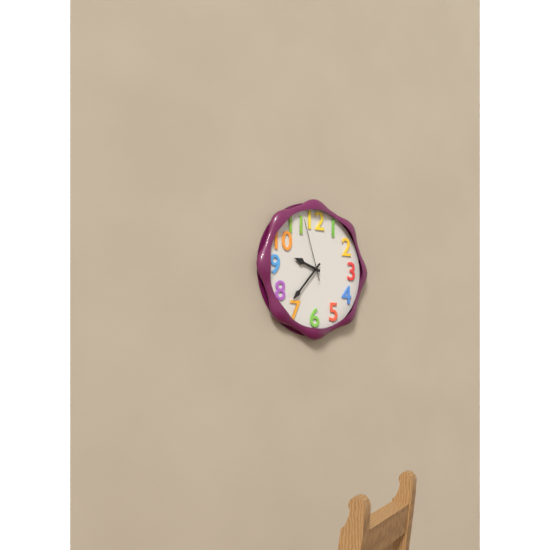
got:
**9:37:57**
